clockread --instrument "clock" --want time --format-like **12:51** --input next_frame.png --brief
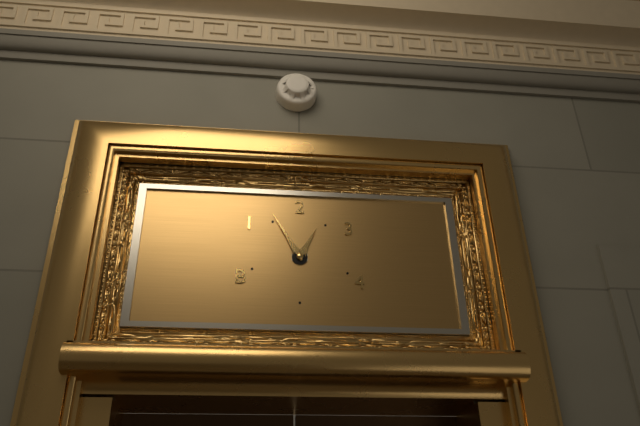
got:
**12:55**
